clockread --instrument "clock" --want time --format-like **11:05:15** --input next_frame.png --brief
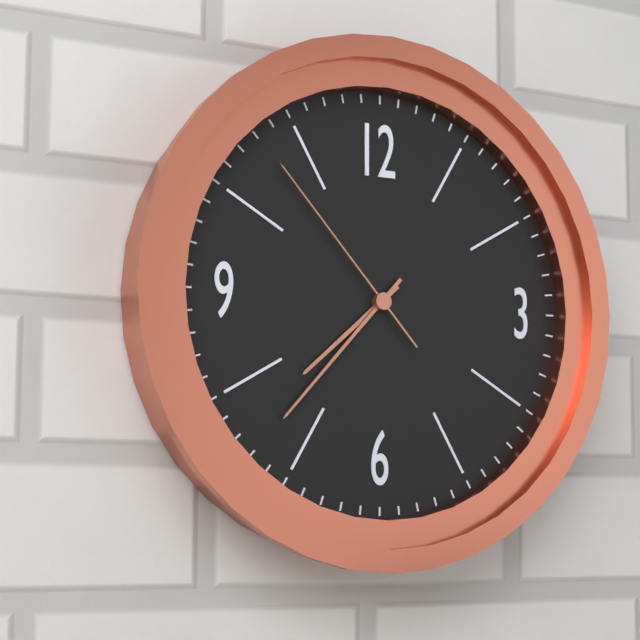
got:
**7:37:53**
